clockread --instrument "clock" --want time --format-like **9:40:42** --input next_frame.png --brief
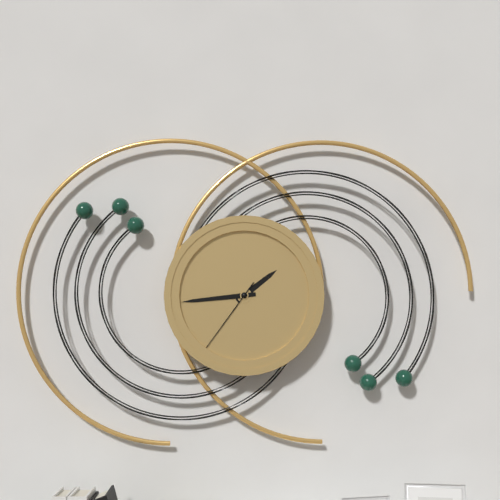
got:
**1:44:36**
